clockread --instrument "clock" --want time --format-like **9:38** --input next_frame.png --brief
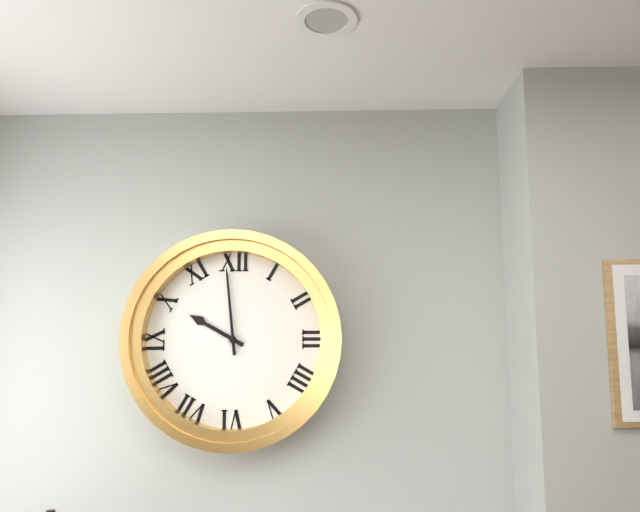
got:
**9:59**
